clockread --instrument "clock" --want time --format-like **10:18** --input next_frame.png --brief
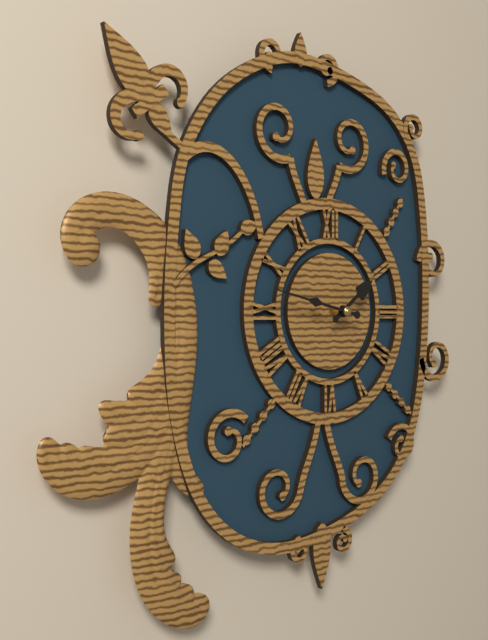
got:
**1:47**
